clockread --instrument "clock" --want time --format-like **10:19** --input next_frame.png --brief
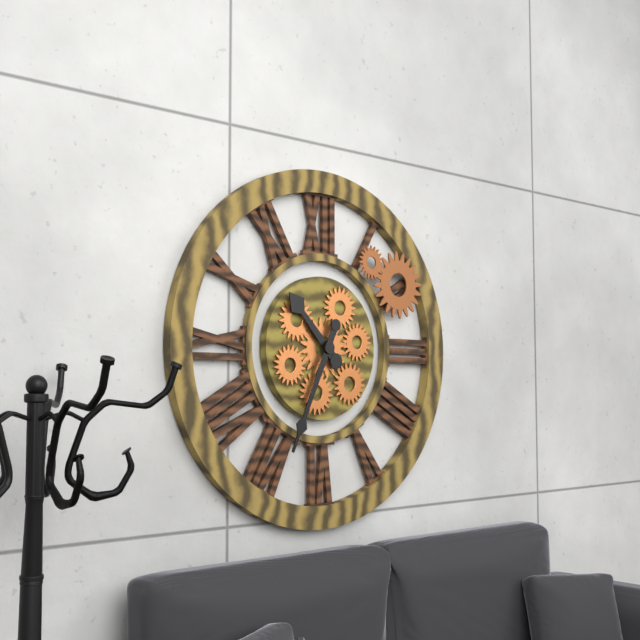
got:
**10:34**
